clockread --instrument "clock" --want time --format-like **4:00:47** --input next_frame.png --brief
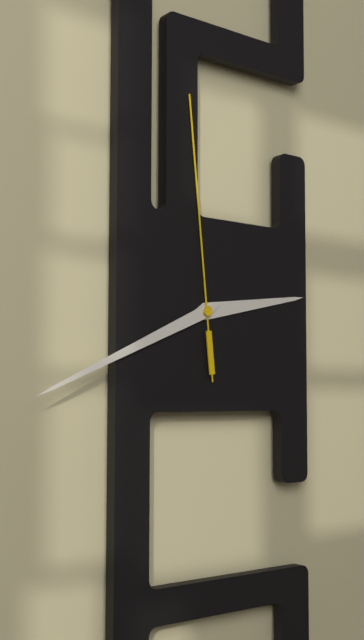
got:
**2:41:59**
